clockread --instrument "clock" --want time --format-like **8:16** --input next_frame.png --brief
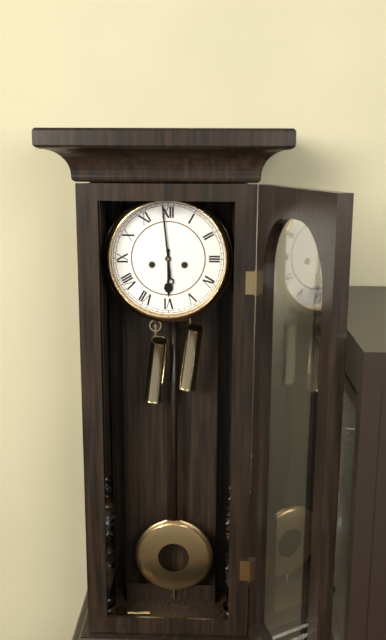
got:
**5:59**
